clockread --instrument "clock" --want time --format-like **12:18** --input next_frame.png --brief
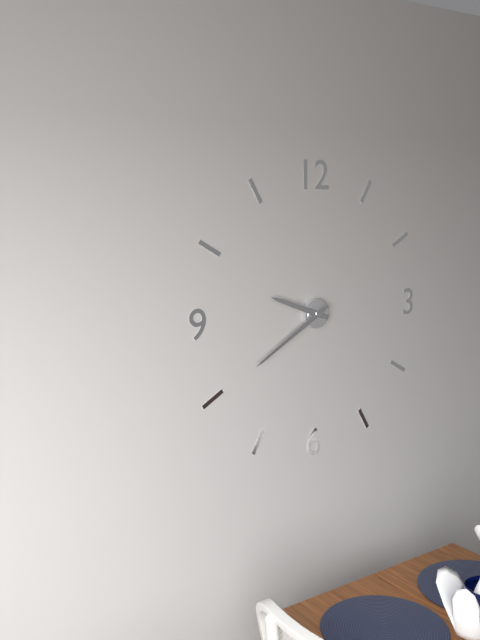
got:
**9:40**
